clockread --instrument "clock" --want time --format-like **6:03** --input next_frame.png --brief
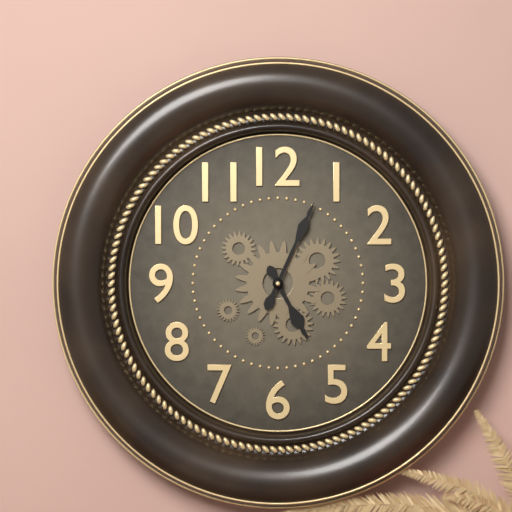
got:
**5:04**
